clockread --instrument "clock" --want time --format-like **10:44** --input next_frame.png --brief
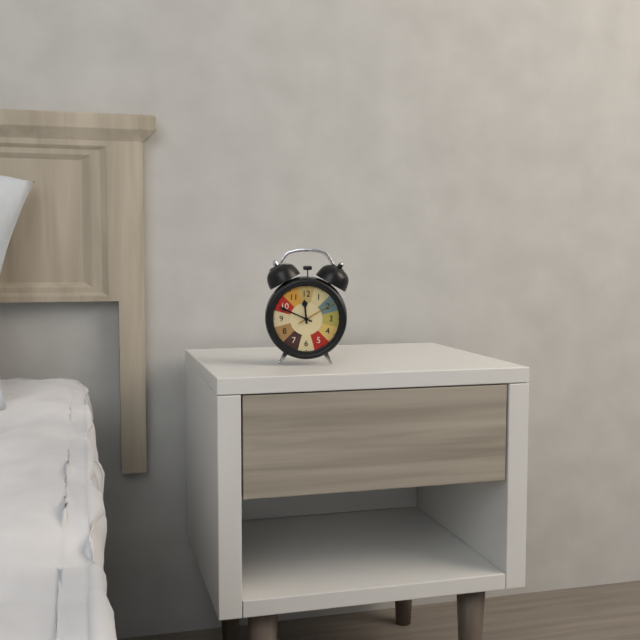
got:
**11:49**
